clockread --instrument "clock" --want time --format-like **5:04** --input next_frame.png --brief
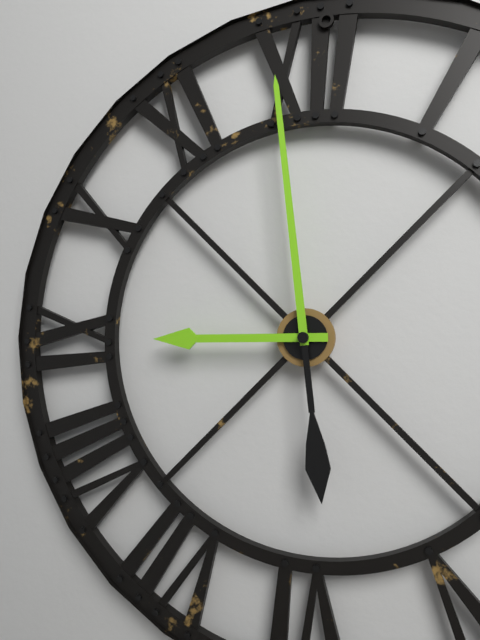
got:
**8:59**
